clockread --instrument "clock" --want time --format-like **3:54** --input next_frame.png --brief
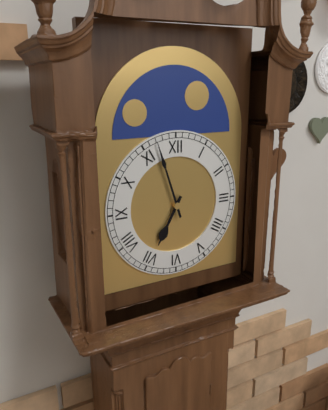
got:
**6:57**
